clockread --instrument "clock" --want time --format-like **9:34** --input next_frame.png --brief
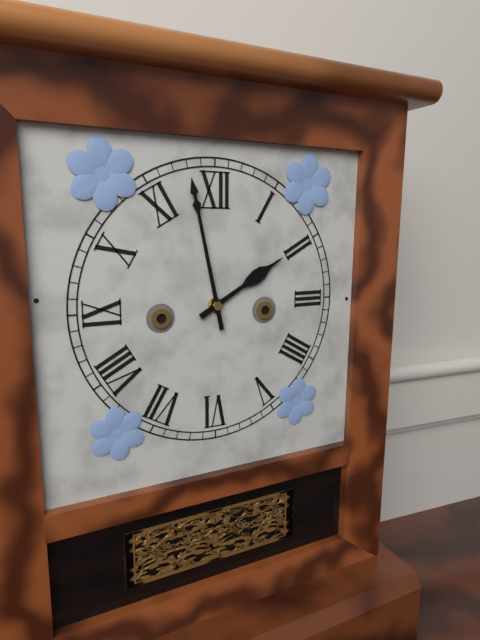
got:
**1:58**
